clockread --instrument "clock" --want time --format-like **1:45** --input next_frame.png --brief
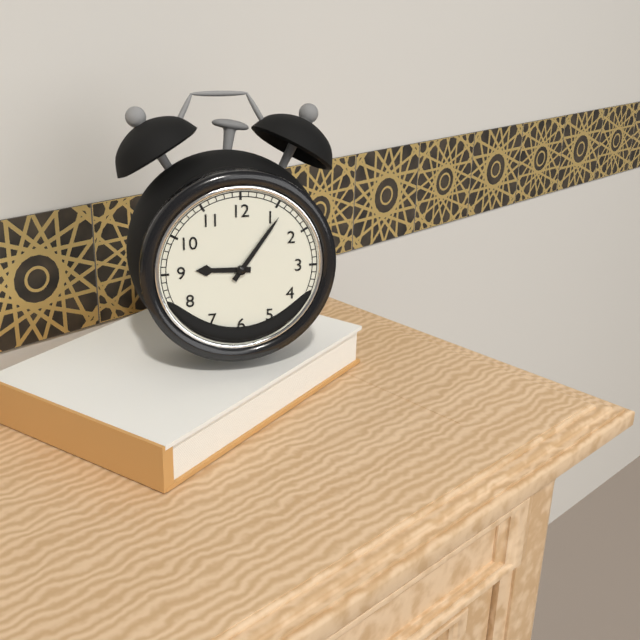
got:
**9:06**
